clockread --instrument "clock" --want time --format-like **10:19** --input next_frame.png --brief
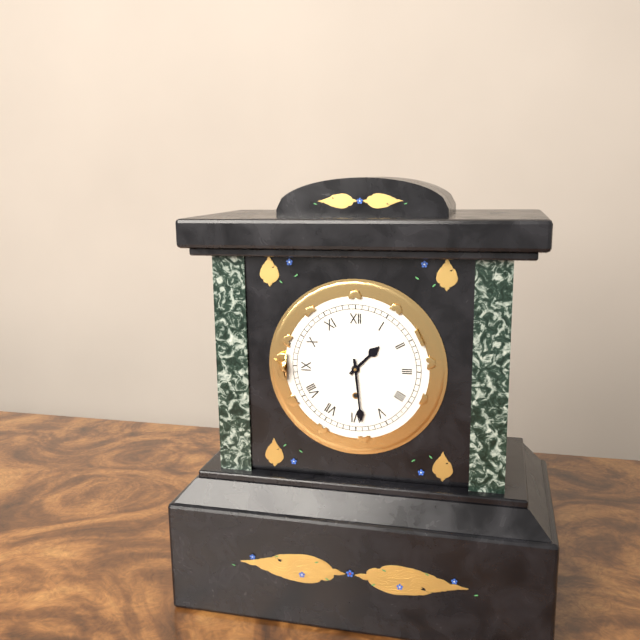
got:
**1:29**
